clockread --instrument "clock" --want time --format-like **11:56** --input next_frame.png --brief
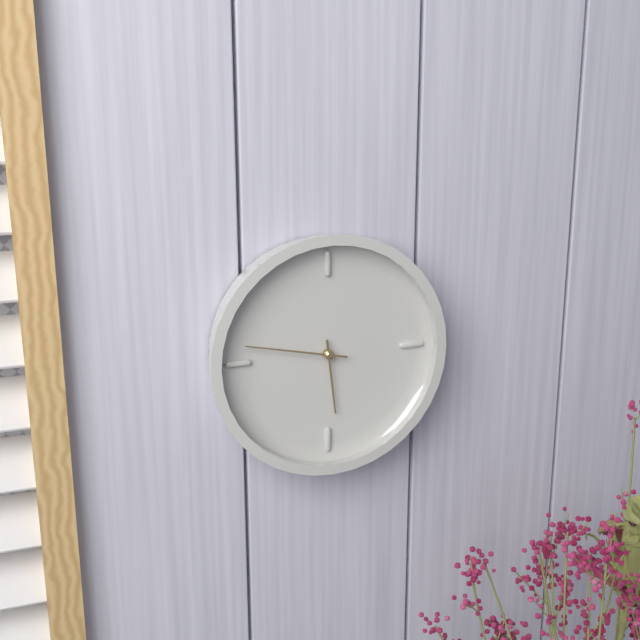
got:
**5:47**
